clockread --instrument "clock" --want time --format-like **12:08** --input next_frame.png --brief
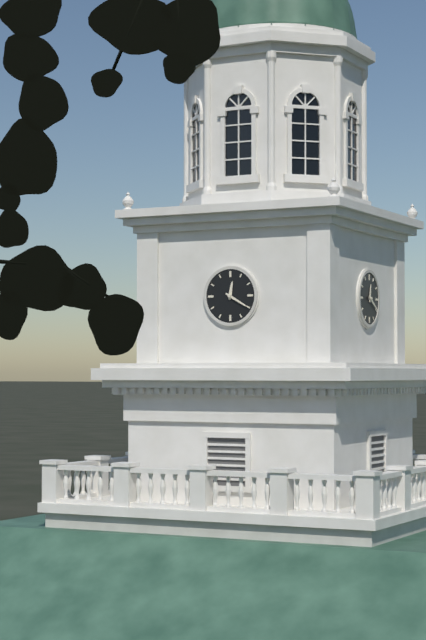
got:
**12:20**
